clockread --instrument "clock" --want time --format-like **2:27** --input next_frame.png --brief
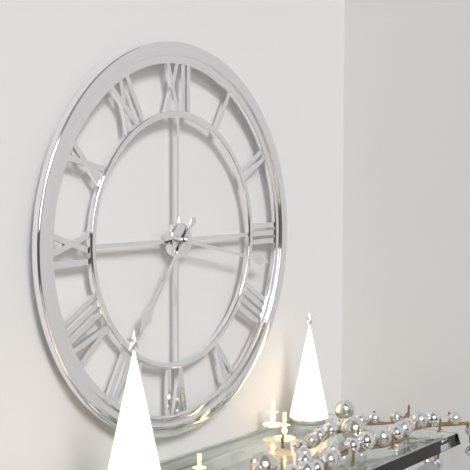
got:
**7:17**
